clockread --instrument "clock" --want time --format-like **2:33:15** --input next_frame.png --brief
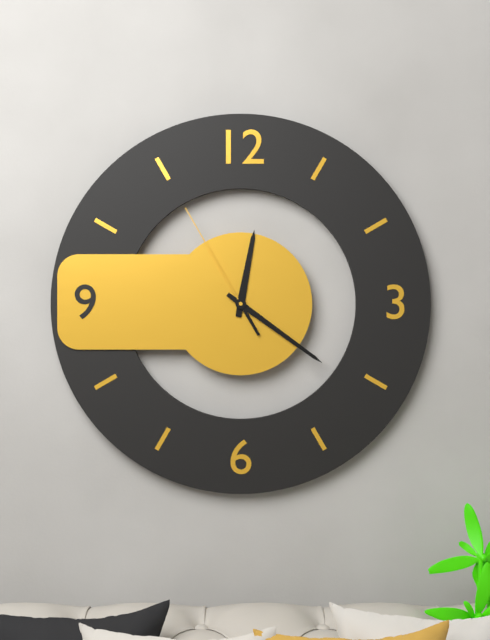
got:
**12:21:55**
